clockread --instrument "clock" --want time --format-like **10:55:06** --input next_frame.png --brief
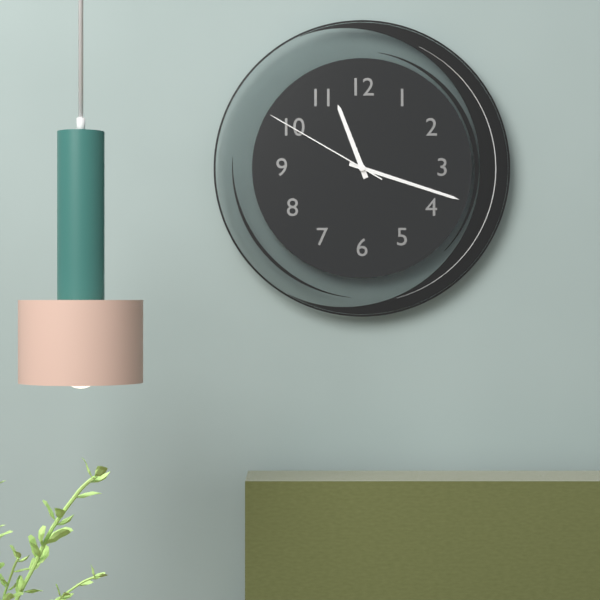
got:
**11:18:50**
